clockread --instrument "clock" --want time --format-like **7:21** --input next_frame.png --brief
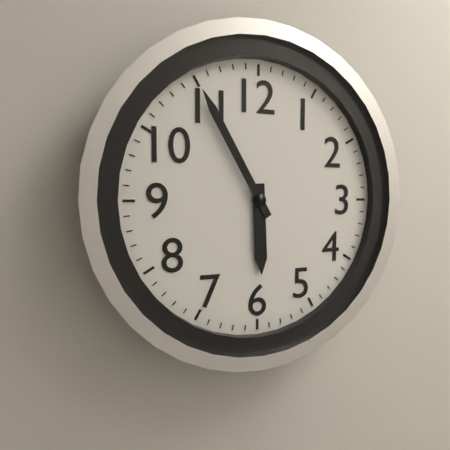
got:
**5:55**
